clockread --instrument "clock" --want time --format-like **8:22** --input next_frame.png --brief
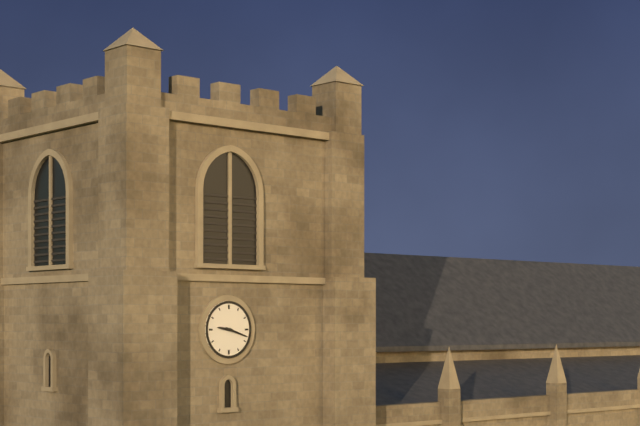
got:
**9:18**
